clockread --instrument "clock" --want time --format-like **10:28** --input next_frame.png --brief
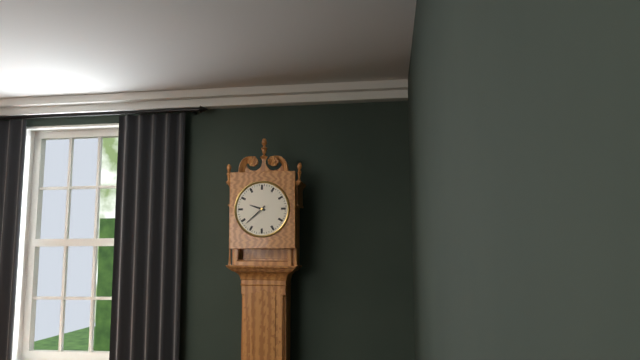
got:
**9:38**
